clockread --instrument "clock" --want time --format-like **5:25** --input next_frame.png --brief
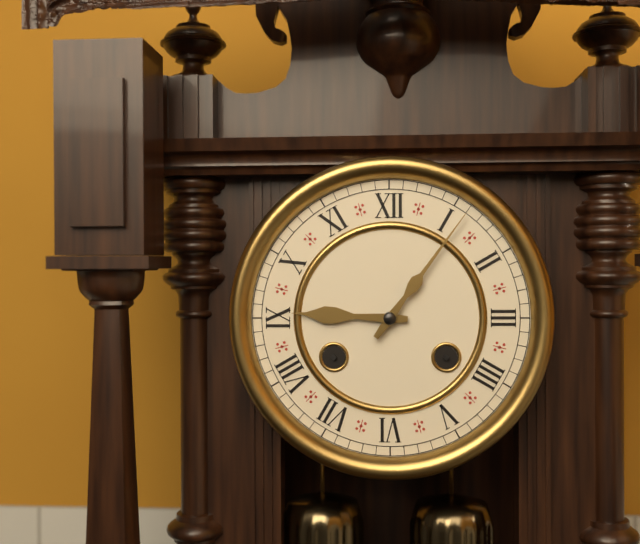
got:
**9:06**
